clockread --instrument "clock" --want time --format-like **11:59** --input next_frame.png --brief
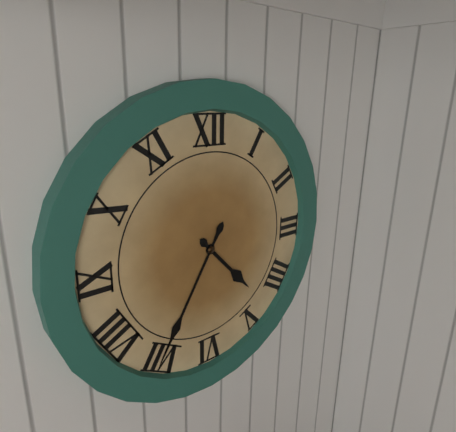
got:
**4:35**
